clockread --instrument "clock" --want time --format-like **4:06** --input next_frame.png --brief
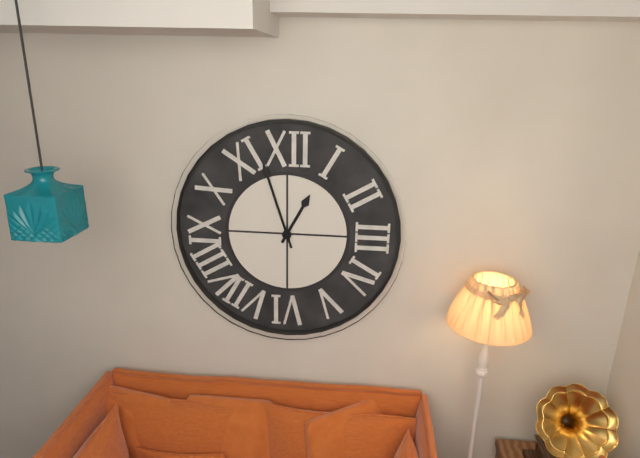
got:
**12:57**
